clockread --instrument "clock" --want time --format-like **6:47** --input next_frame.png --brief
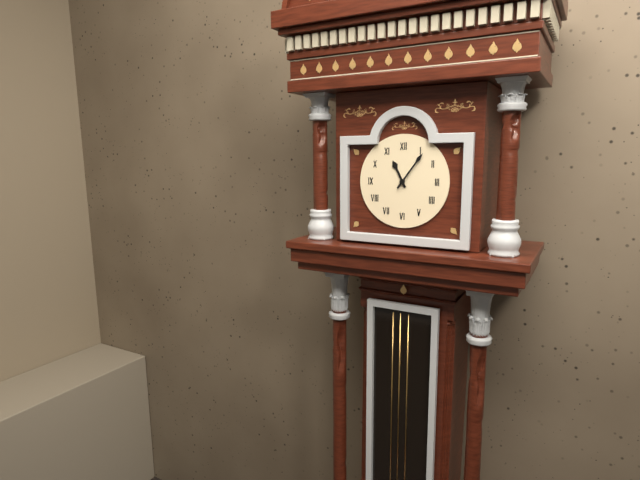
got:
**11:06**
